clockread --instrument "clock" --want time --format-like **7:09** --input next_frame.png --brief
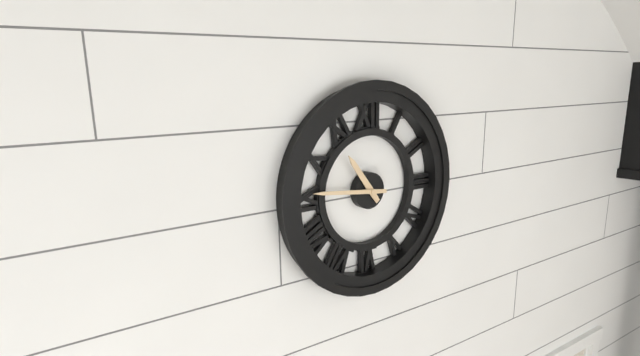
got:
**10:46**
